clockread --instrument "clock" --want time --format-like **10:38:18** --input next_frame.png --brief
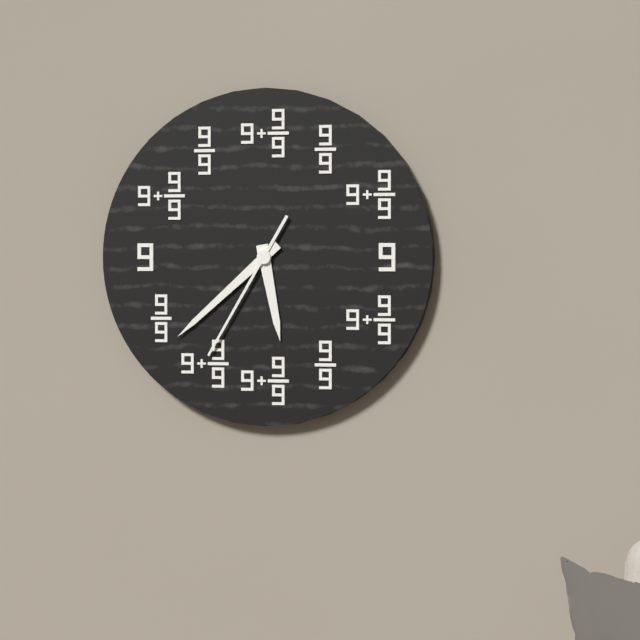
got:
**5:38:35**
